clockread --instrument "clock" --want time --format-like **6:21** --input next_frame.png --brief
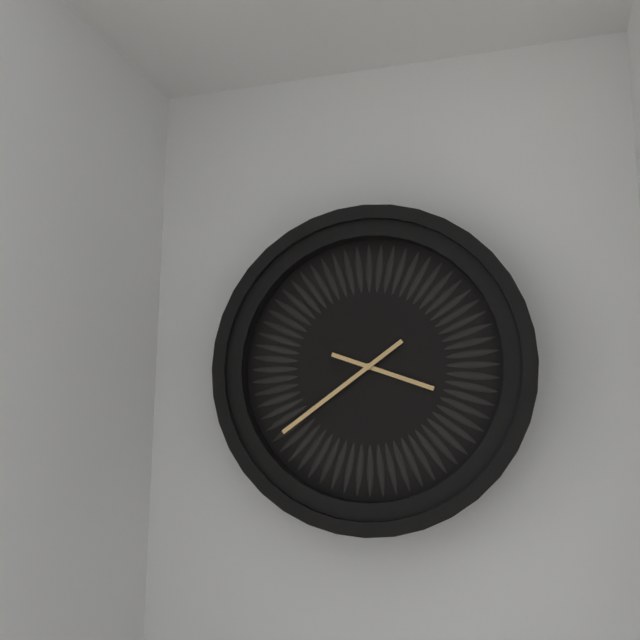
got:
**3:39**
